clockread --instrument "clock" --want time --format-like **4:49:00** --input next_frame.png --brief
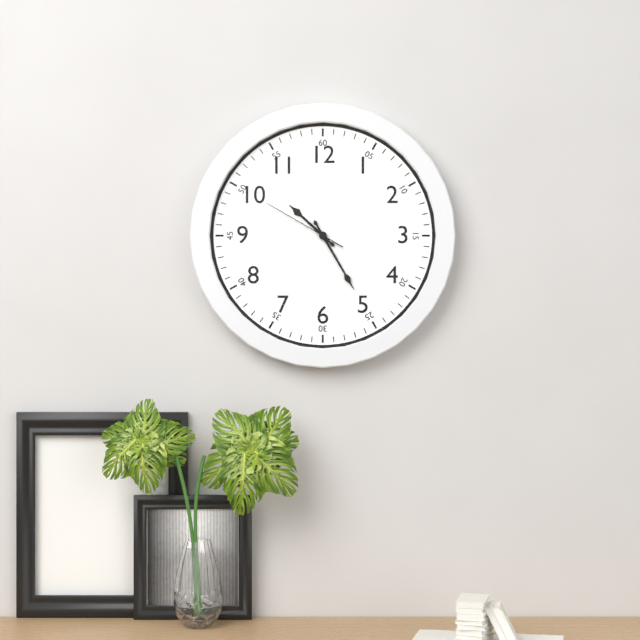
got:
**10:25:50**
